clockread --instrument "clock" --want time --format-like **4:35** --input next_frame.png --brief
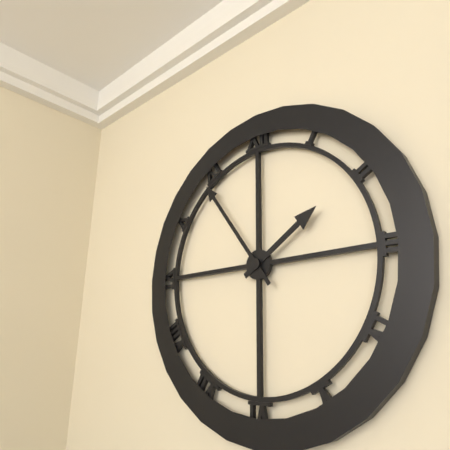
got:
**1:54**
